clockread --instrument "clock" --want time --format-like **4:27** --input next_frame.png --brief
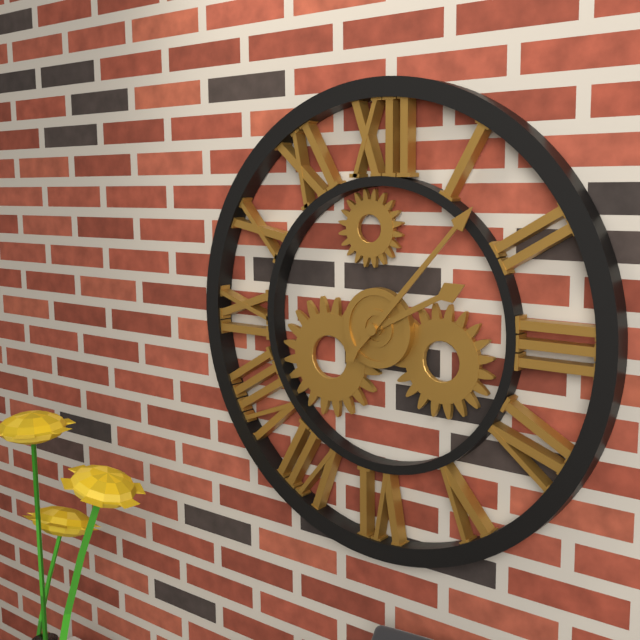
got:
**2:07**
